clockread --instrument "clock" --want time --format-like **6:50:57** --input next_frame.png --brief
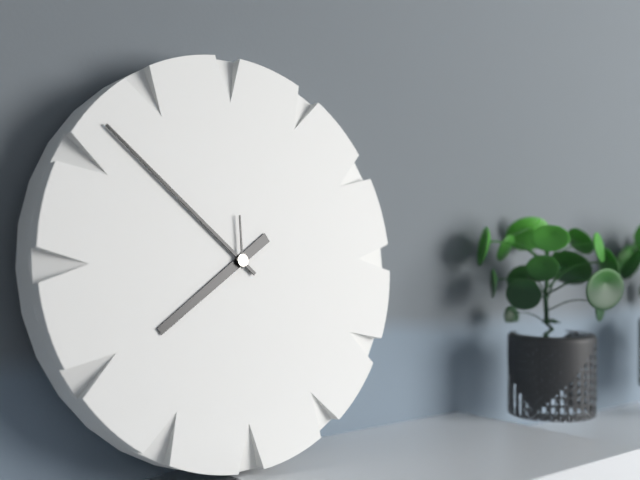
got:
**7:52:00**
